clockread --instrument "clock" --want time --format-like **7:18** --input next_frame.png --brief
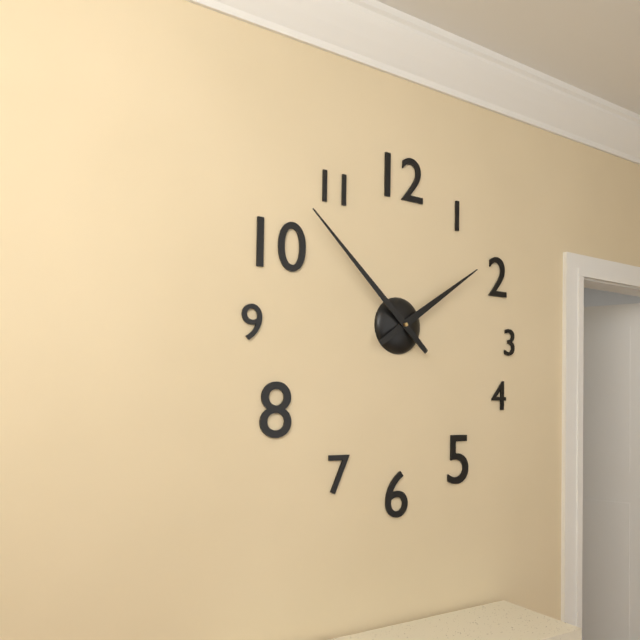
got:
**1:52**
